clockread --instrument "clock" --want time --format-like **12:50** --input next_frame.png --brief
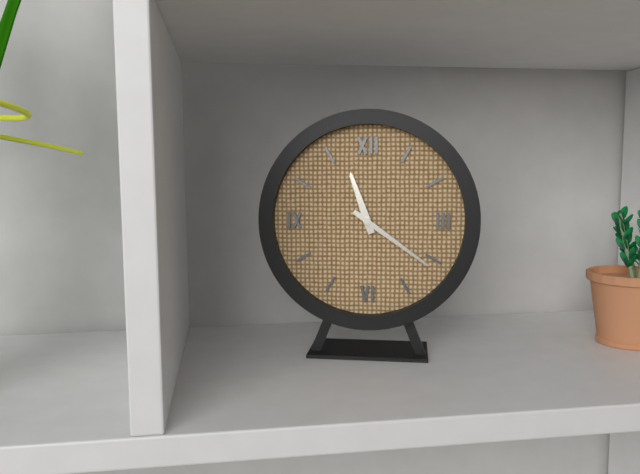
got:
**11:21**
